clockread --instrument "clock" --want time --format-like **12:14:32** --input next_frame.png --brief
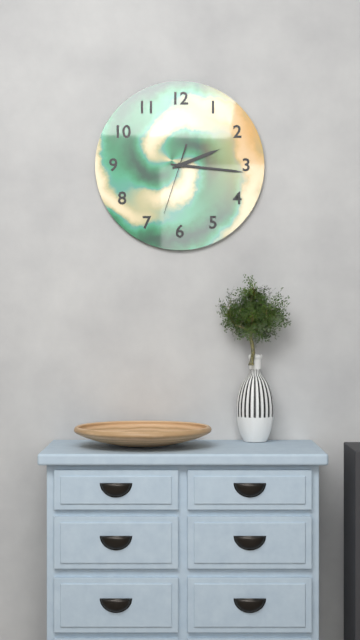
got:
**2:16:33**
